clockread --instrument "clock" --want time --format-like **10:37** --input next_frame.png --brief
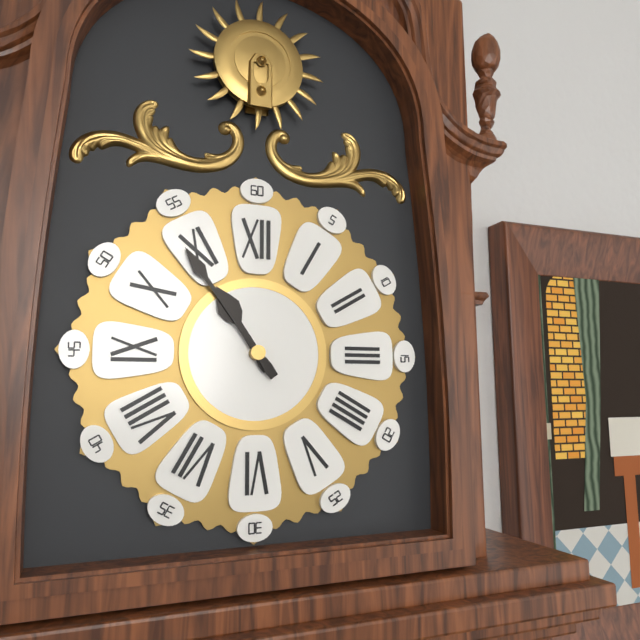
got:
**10:54**
